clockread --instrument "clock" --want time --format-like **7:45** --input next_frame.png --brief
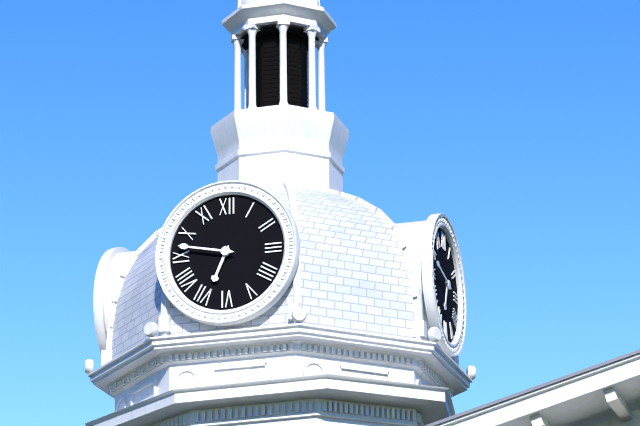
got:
**6:47**
